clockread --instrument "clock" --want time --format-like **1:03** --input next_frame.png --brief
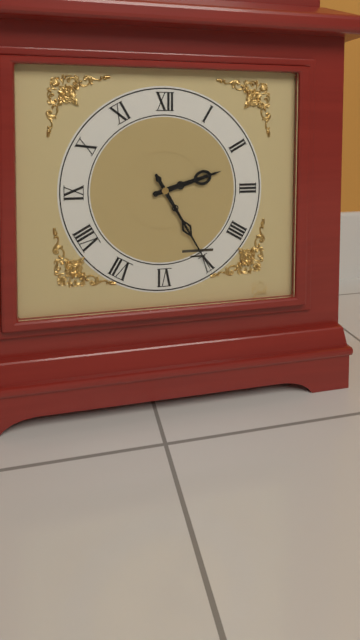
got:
**2:25**
